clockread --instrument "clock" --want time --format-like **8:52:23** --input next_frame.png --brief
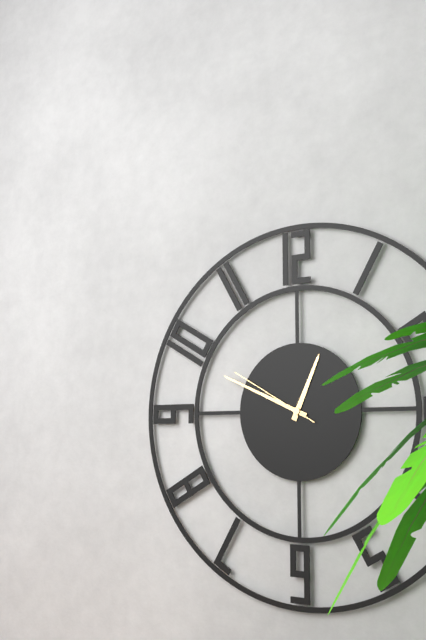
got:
**12:49:50**
